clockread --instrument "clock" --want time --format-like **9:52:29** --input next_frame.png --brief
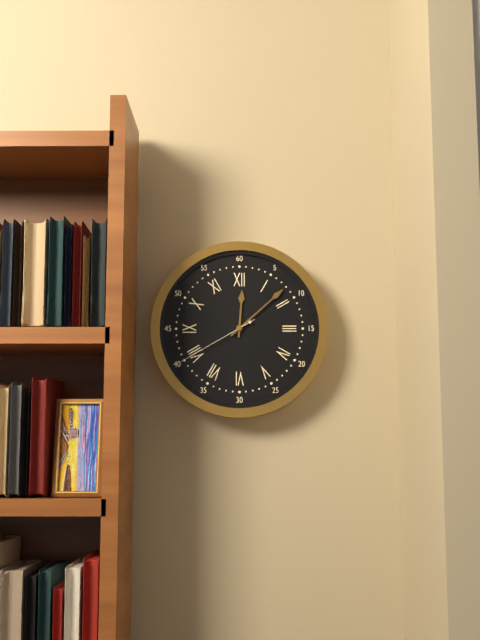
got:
**12:08:40**
